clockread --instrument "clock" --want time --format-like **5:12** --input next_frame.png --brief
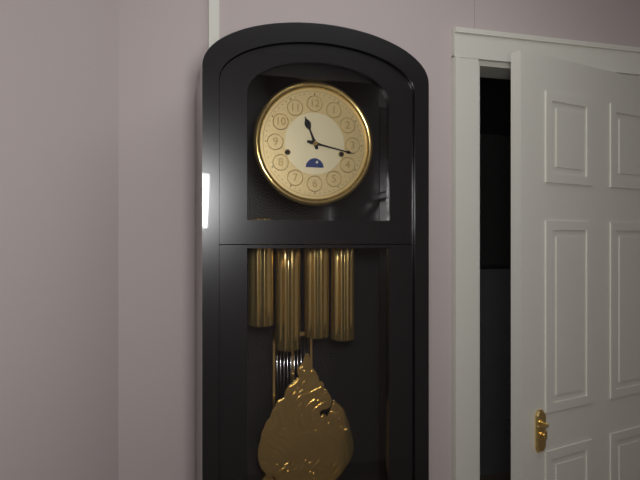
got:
**11:17**
